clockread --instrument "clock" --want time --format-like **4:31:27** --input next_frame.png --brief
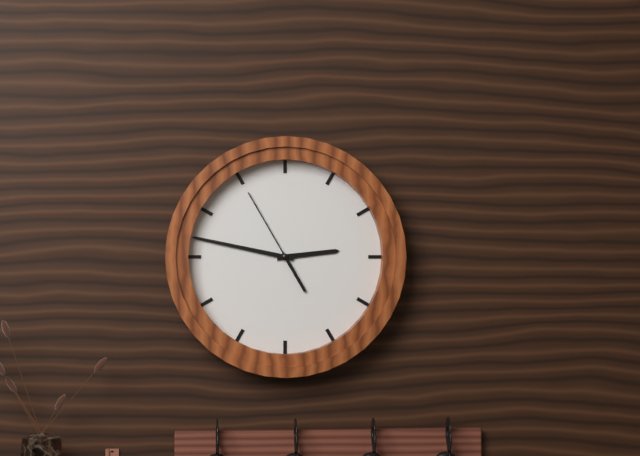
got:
**2:47:55**
